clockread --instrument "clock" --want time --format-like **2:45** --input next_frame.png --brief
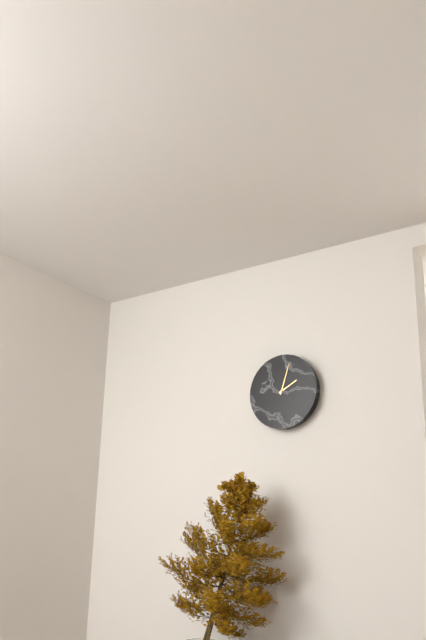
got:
**2:03**
